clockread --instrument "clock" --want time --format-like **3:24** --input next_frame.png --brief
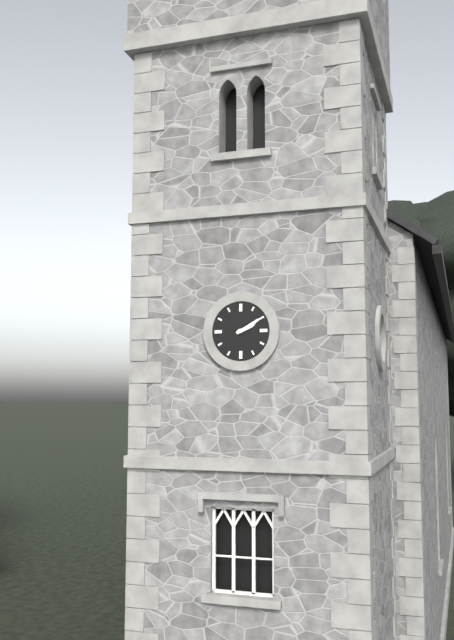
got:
**2:10**
